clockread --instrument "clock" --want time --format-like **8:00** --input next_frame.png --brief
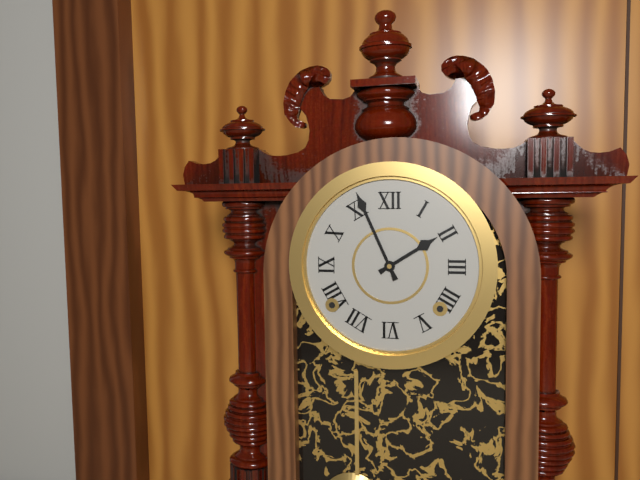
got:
**1:56**
